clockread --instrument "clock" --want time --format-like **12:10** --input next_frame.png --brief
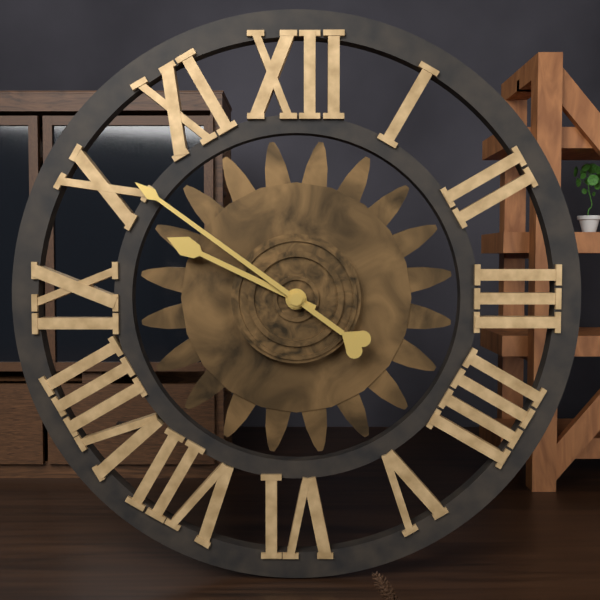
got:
**9:51**
